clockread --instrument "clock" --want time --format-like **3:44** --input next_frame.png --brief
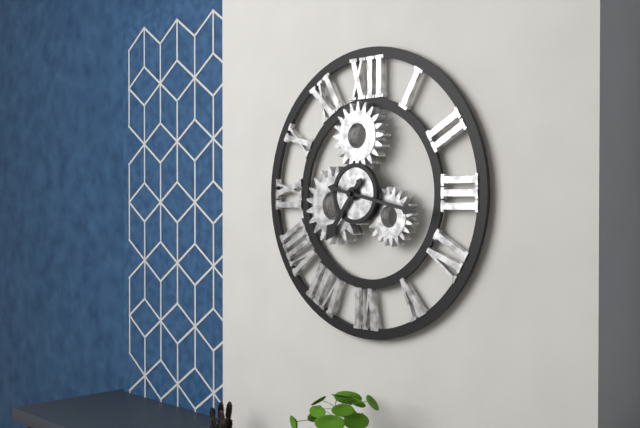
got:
**7:17**
